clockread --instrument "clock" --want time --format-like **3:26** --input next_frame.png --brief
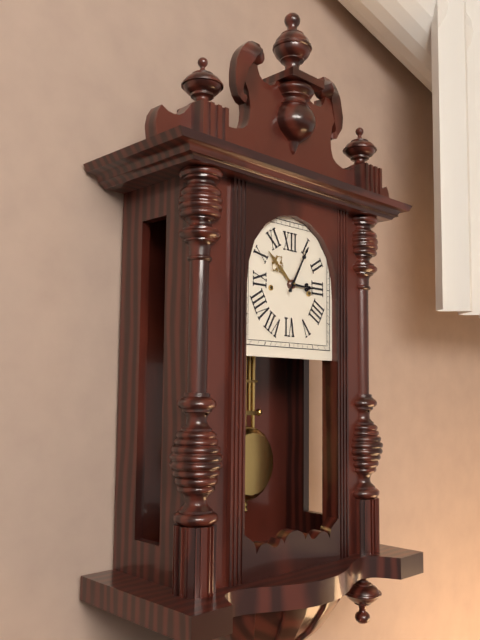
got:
**3:05**
